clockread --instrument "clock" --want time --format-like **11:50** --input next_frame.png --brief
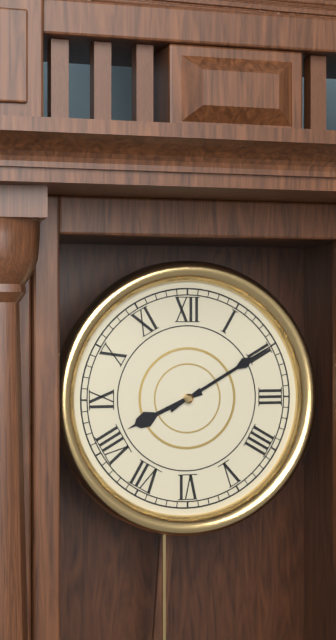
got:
**8:10**
